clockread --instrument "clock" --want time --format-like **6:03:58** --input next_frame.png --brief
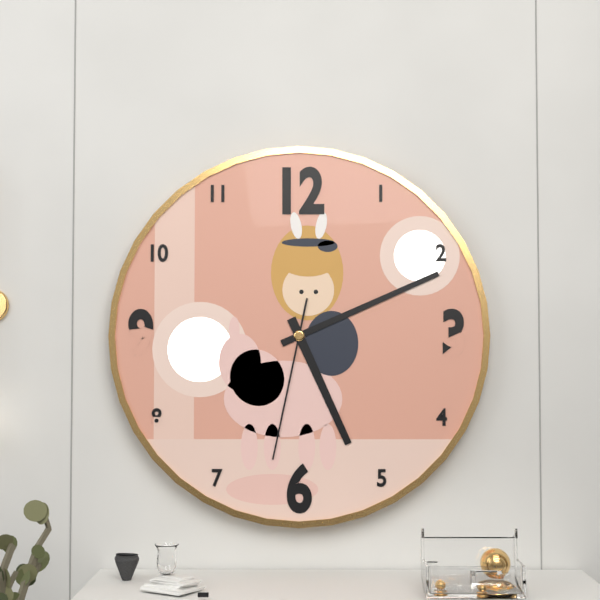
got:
**5:11:32**
